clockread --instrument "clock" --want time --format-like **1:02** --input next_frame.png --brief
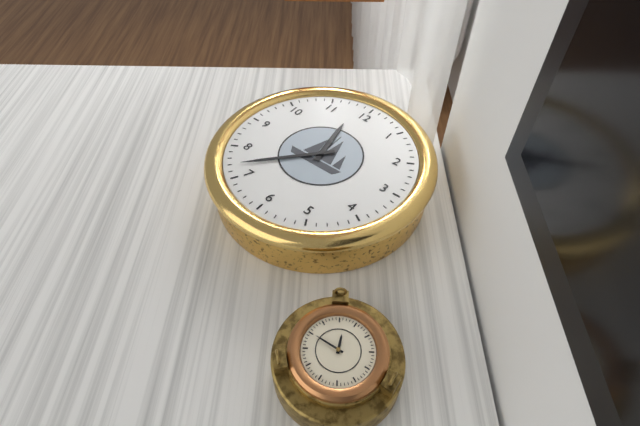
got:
**11:37**
